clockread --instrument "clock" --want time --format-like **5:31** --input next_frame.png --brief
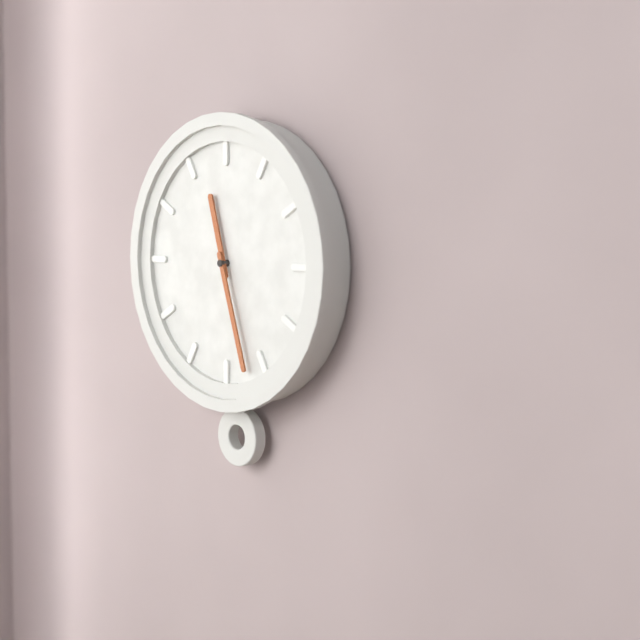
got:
**11:27**
